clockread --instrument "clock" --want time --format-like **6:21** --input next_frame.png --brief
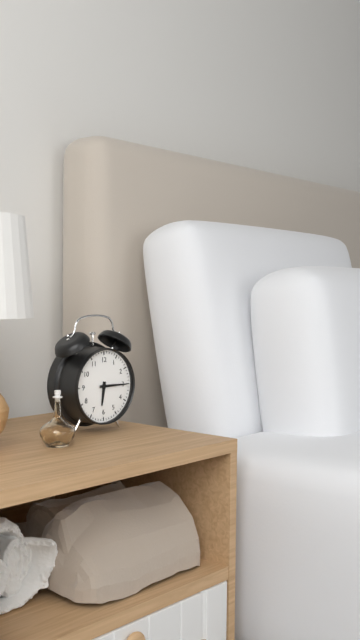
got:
**6:15**
